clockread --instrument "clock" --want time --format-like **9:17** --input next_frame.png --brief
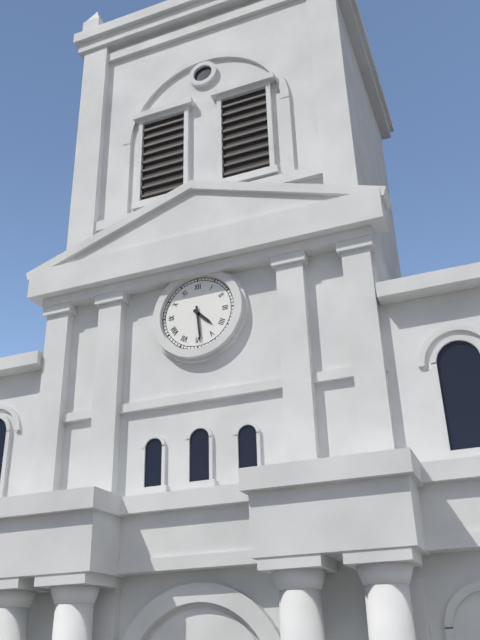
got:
**4:29**
